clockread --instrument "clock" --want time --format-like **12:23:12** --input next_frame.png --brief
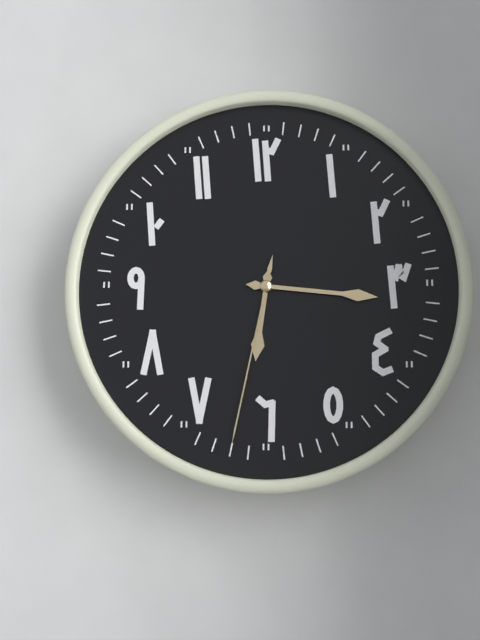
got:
**6:16:32**
